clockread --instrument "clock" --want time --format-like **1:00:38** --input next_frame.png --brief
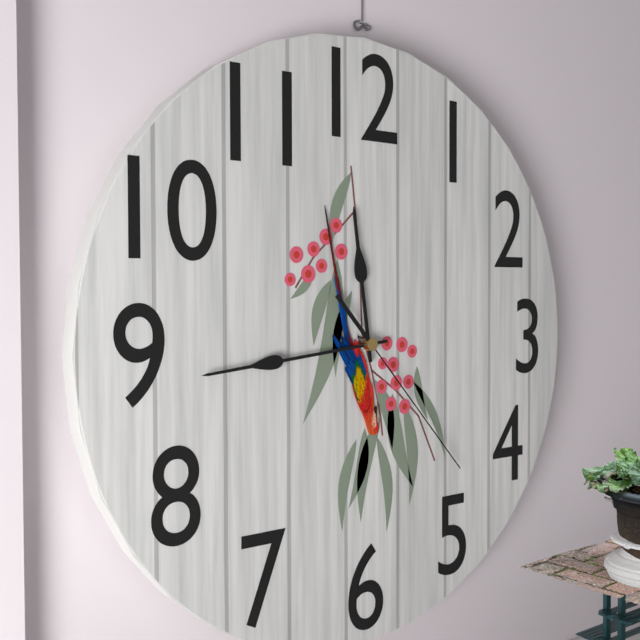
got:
**11:44:23**
